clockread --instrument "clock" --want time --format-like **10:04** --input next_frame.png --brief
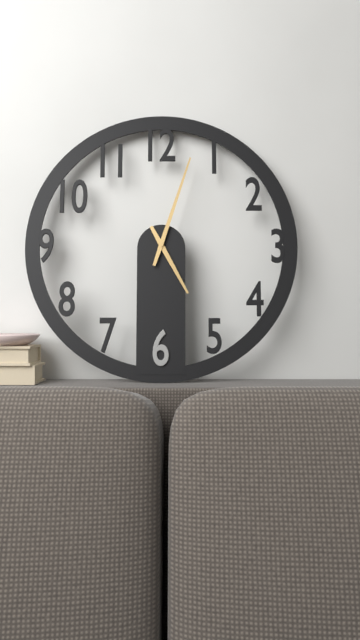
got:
**5:03**
